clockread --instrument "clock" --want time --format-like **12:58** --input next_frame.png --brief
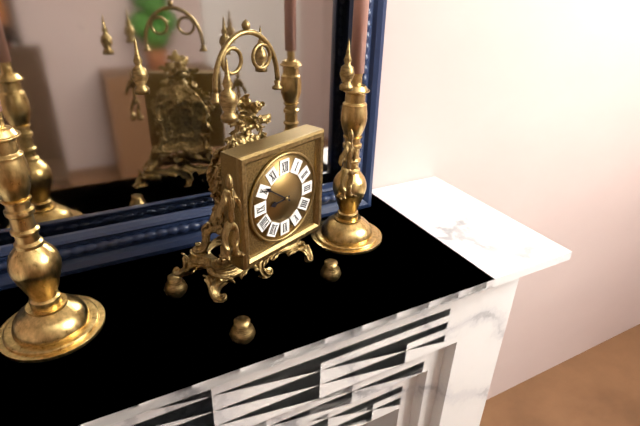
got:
**8:51**
